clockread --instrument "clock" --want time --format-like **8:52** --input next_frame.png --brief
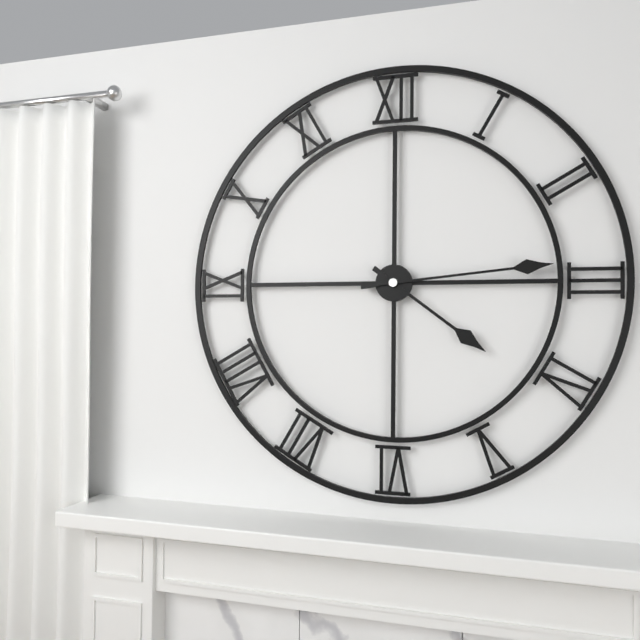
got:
**4:14**
